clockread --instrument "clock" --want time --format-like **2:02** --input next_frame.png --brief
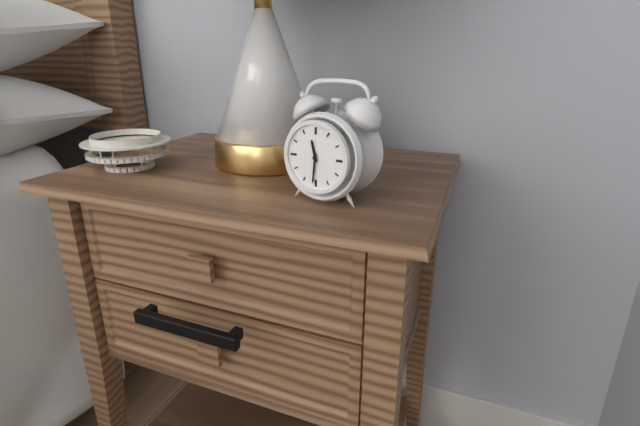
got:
**11:31**
